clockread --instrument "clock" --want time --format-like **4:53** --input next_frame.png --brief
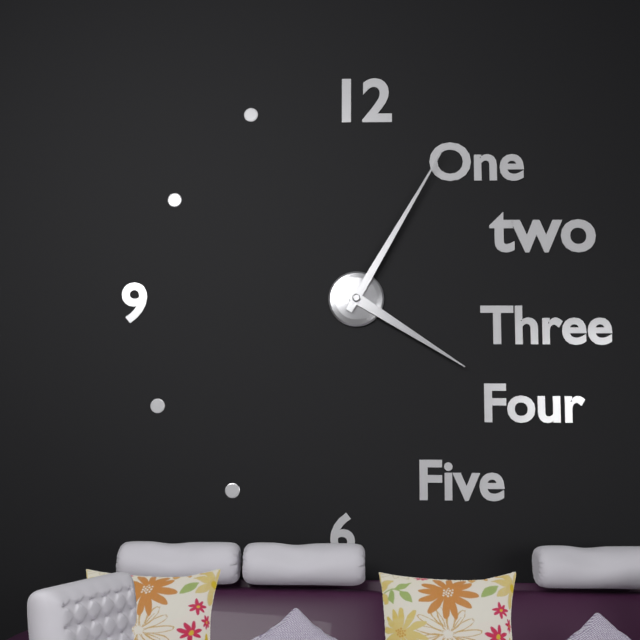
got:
**4:05**
